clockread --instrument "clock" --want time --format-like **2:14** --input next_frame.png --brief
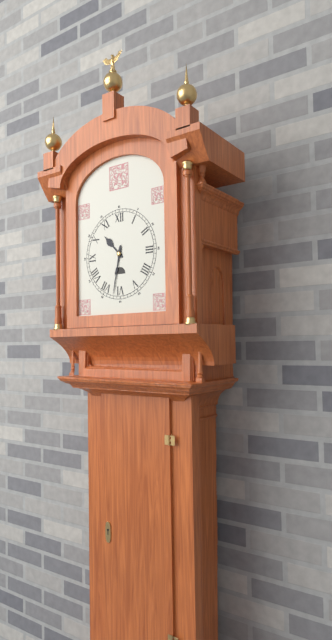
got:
**10:32**
